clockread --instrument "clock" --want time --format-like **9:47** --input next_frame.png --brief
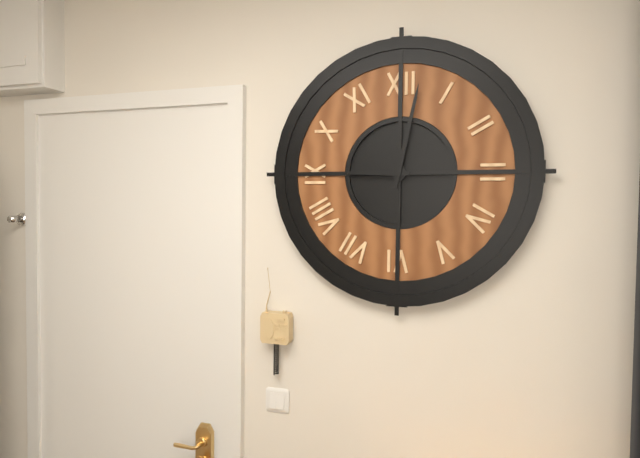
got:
**9:02**
